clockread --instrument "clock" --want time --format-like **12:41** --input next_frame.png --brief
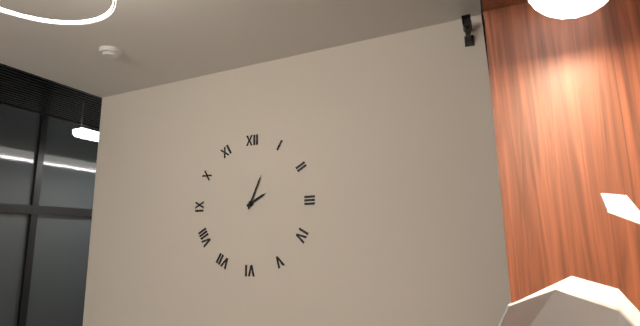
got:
**2:04**
